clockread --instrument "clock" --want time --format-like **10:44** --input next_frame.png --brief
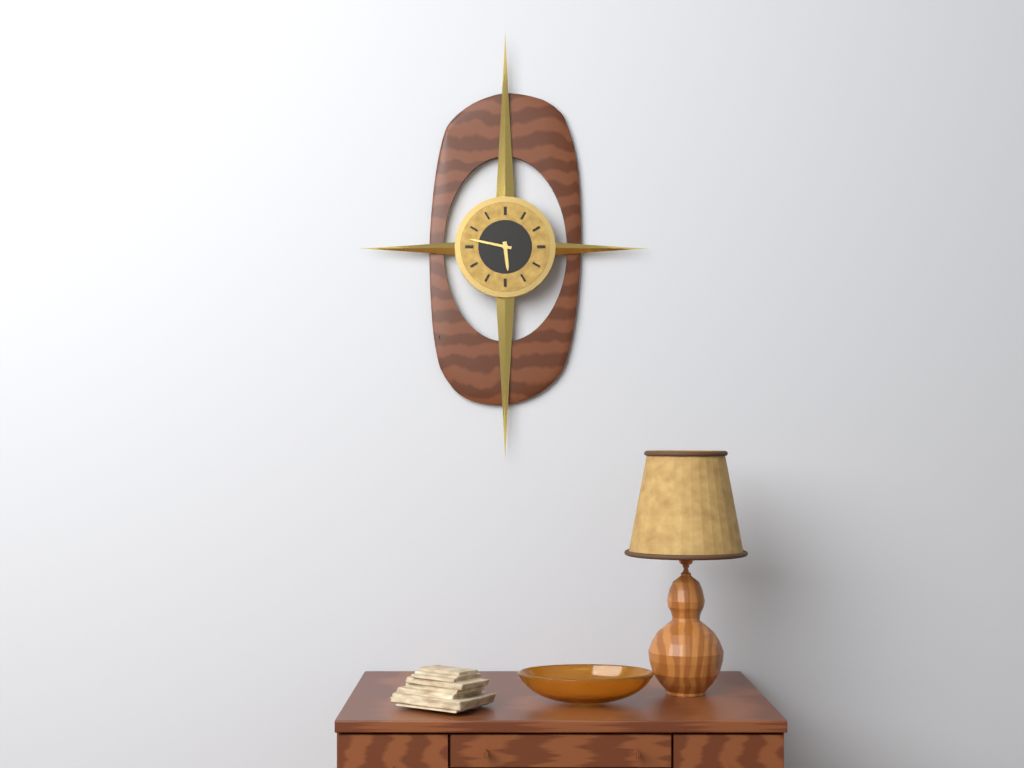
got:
**5:47**
